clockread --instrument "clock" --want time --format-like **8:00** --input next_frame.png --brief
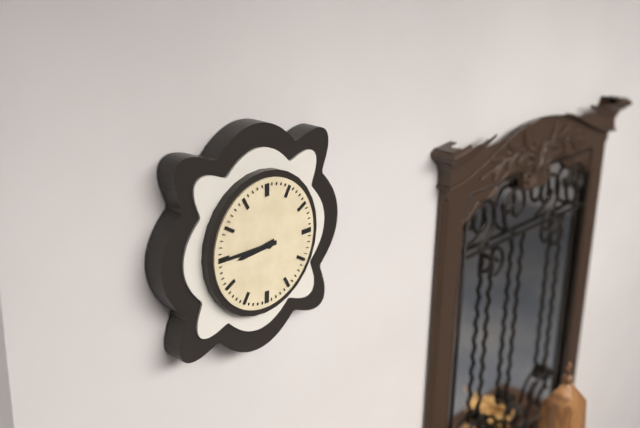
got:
**8:45**
